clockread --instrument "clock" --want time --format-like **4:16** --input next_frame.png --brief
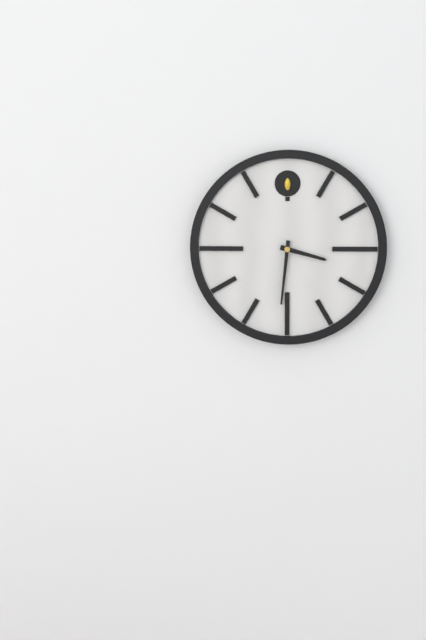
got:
**3:31**
